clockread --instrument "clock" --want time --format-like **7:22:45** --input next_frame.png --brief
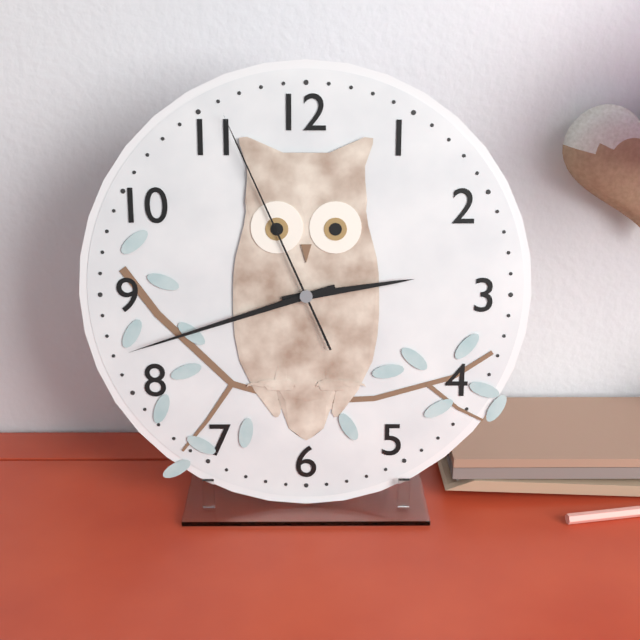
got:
**2:42:56**
